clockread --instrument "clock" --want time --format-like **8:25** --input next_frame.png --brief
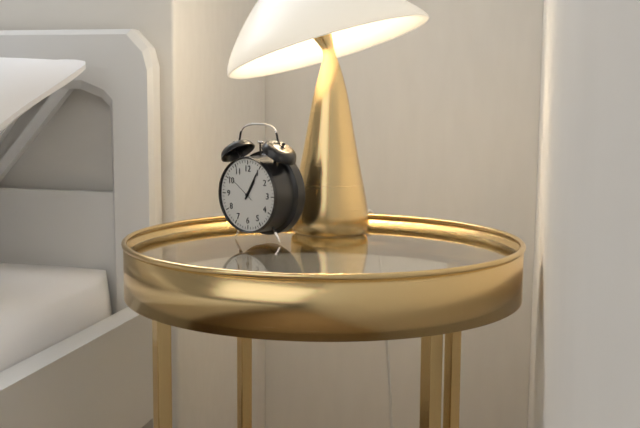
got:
**1:05**
